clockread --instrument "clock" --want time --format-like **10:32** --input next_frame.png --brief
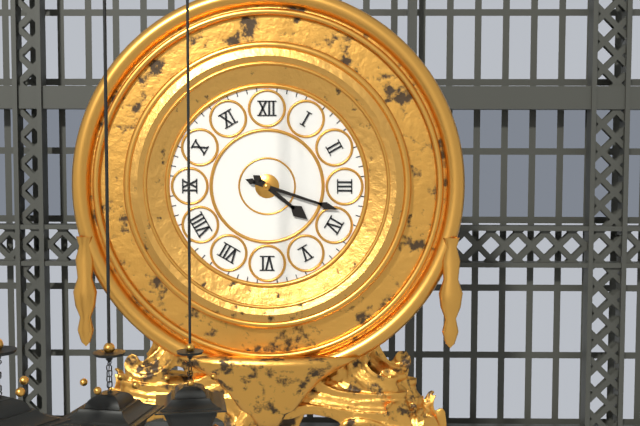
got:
**4:18**
